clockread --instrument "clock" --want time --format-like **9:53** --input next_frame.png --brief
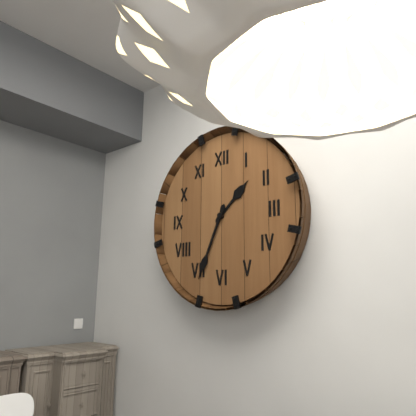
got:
**1:34**
